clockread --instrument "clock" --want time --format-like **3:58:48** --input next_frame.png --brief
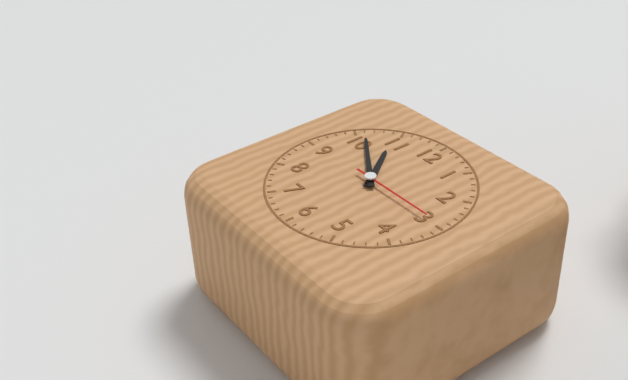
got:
**10:51:15**
